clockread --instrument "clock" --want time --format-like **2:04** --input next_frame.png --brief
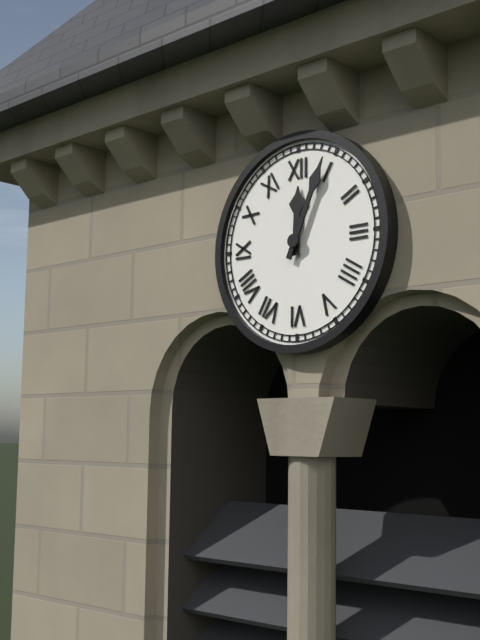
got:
**12:04**
